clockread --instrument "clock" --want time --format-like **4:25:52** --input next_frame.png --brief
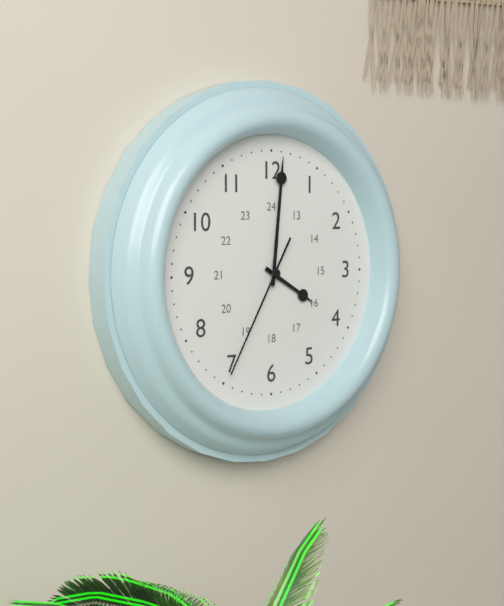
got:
**4:01:35**
